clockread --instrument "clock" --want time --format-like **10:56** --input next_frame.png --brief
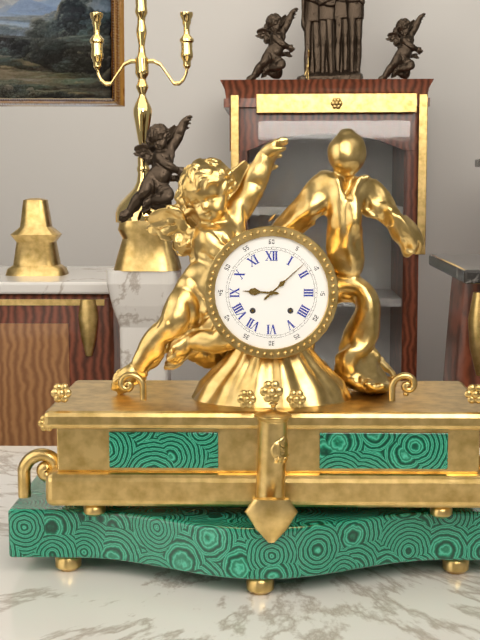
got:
**9:08**
